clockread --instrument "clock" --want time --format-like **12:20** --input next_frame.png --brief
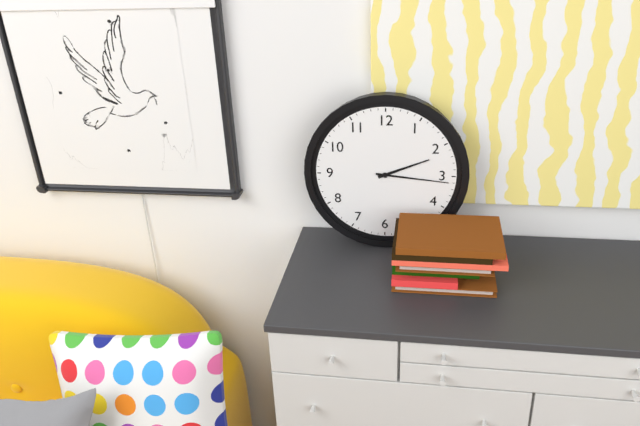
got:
**2:16**
